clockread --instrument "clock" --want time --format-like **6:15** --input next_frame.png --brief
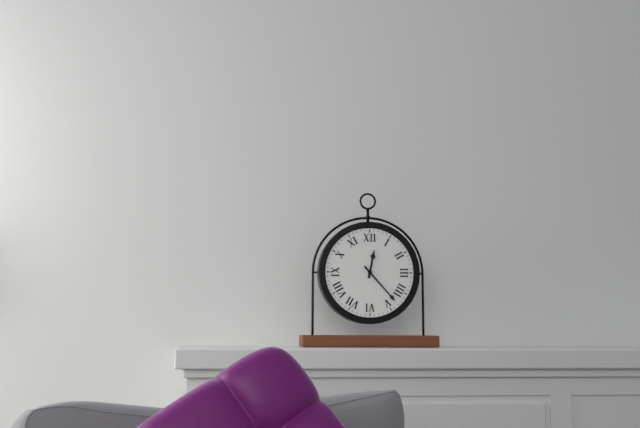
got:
**12:23**
